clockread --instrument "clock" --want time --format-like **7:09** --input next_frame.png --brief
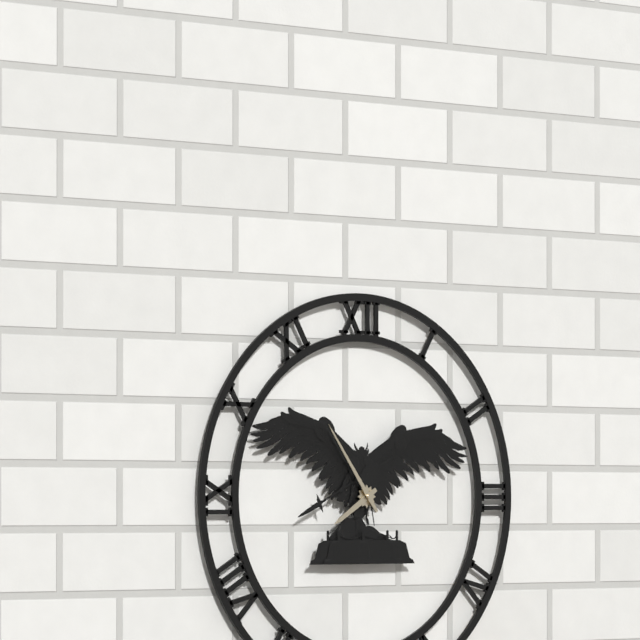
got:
**7:54**
